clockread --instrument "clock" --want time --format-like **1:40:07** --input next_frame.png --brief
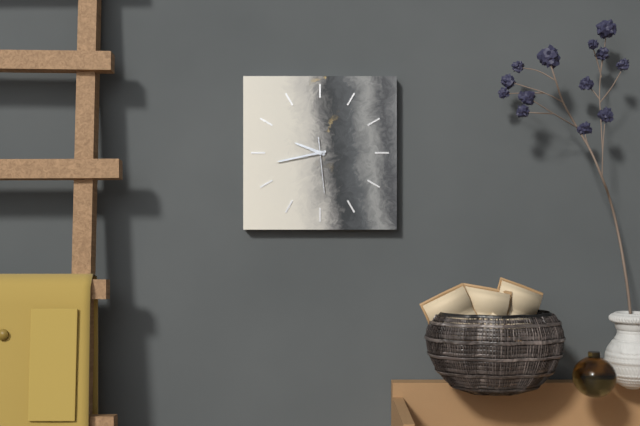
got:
**9:43:29**
